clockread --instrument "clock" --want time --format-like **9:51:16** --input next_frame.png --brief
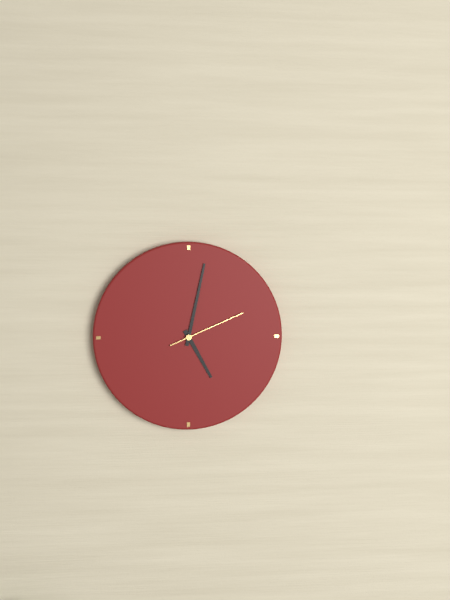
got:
**5:02:11**
